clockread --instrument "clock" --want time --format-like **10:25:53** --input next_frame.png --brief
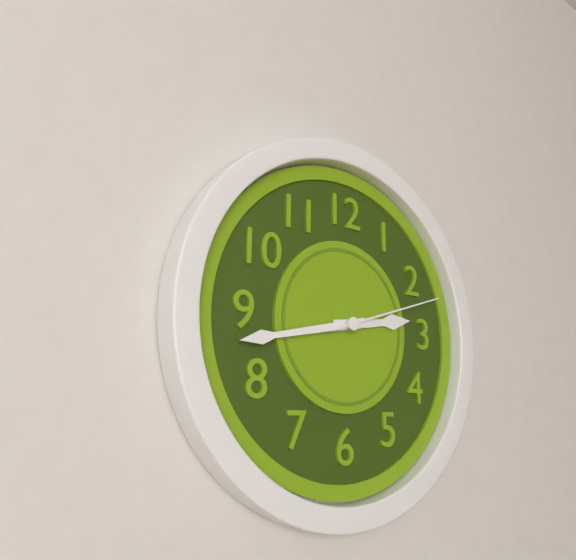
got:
**2:43:12**
